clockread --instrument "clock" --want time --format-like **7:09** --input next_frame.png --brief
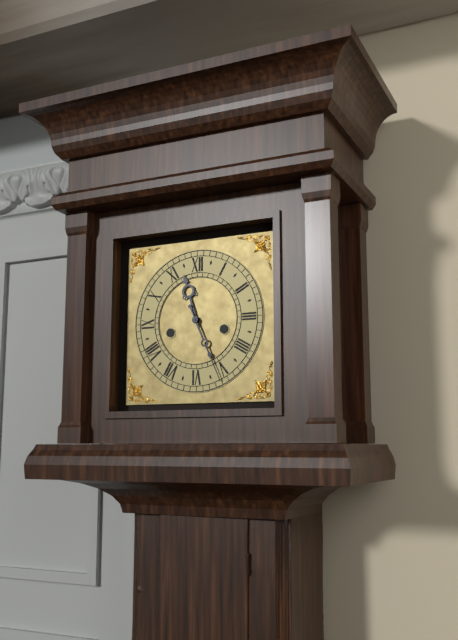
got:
**11:26**
